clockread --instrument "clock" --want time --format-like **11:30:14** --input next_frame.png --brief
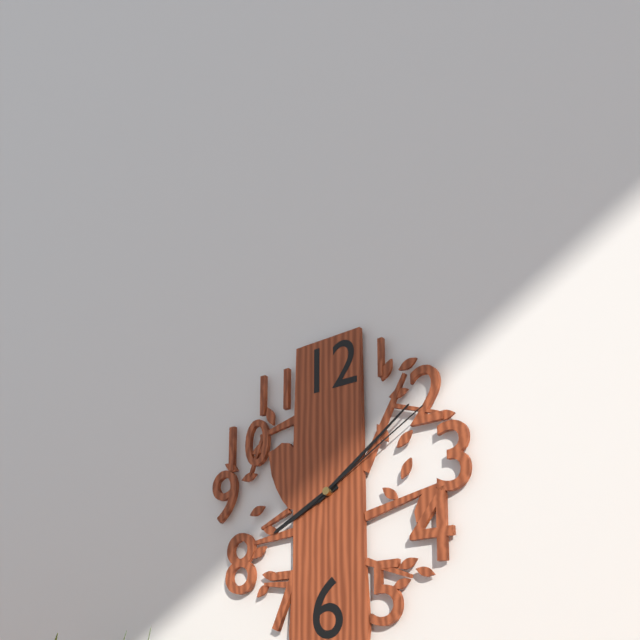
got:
**8:09:10**
